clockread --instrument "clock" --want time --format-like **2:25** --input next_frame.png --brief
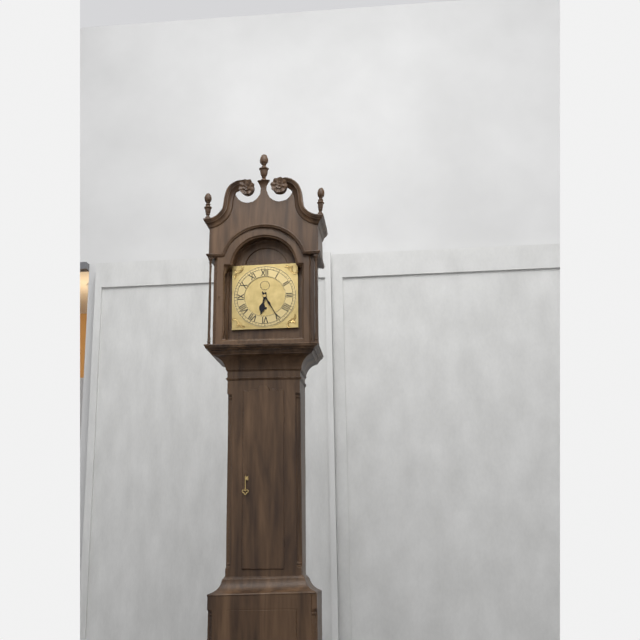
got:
**6:25**
